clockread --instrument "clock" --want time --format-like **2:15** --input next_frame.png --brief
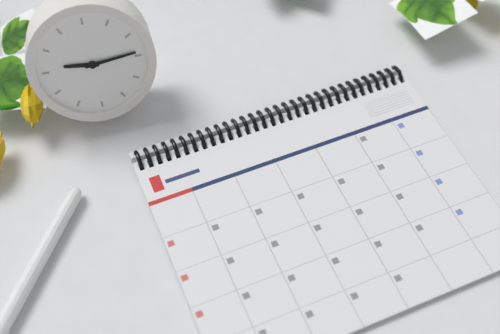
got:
**9:14**
